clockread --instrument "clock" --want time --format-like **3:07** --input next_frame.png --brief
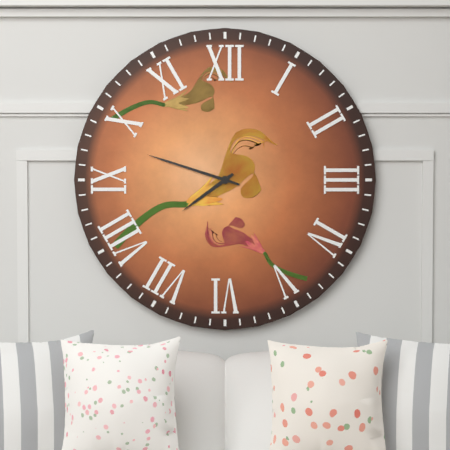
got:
**7:48**
